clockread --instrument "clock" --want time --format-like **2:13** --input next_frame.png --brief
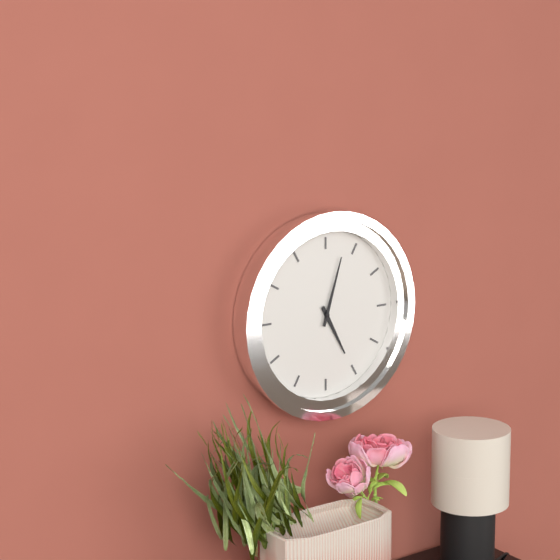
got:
**5:03**
